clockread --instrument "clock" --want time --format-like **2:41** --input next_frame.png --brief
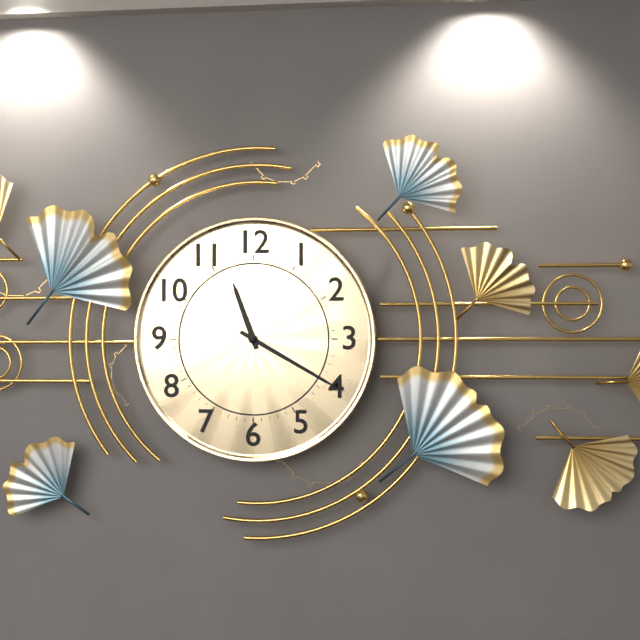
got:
**11:20**
